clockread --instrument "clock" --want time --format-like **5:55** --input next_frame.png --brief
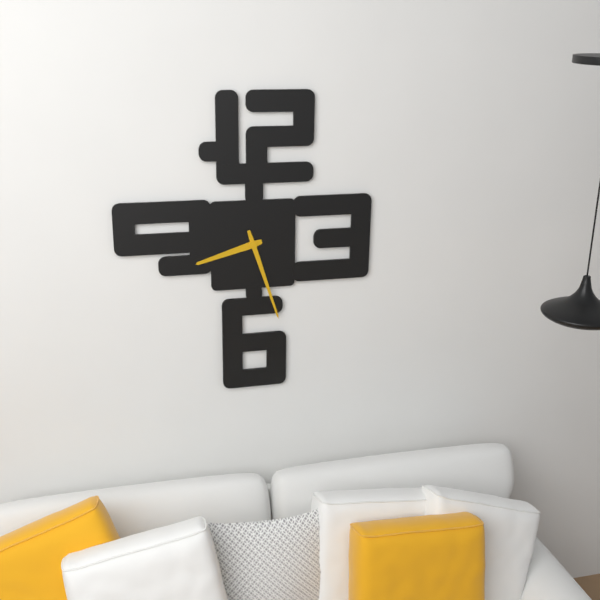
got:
**8:27**
